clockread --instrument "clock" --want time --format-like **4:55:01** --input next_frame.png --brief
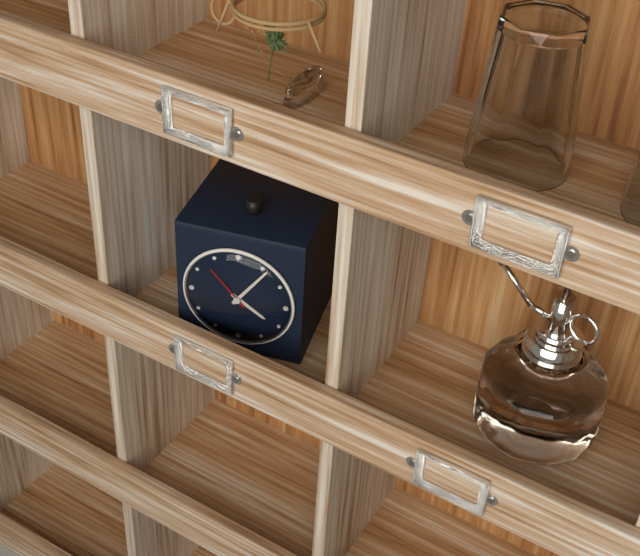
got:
**4:06:53**
